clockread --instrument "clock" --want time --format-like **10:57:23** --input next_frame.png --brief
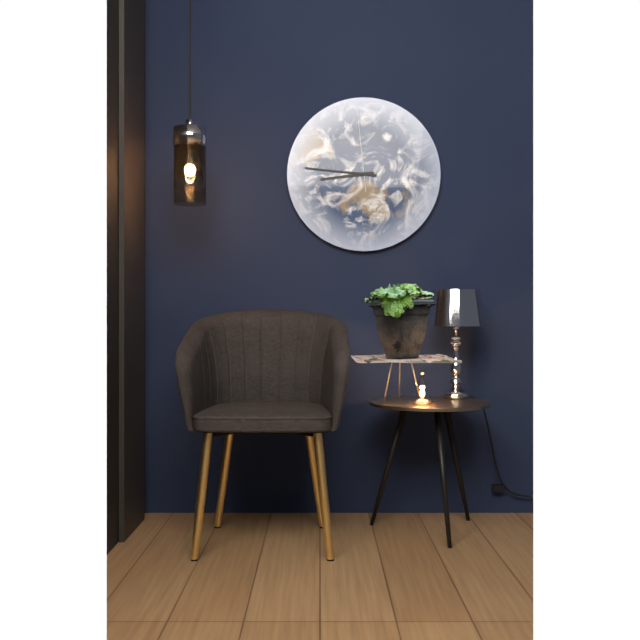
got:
**8:46:59**
